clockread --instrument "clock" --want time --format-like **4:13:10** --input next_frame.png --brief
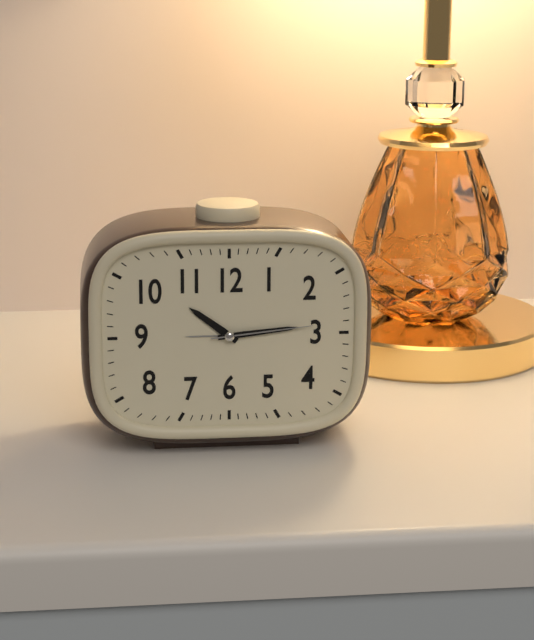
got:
**10:14:14**
